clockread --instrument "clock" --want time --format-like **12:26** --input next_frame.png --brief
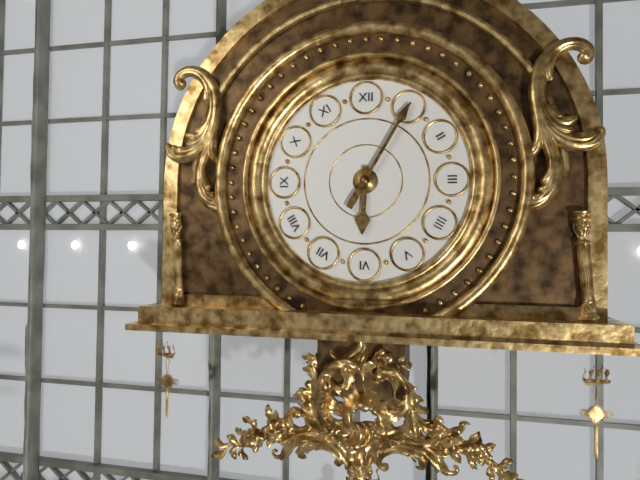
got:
**6:05**
